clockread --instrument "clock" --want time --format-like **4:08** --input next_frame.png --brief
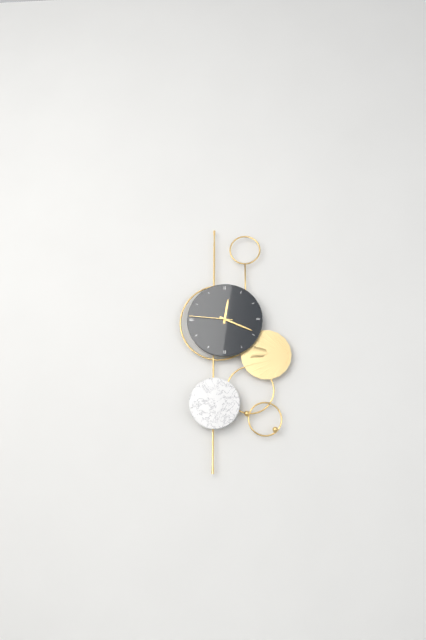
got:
**12:19**
